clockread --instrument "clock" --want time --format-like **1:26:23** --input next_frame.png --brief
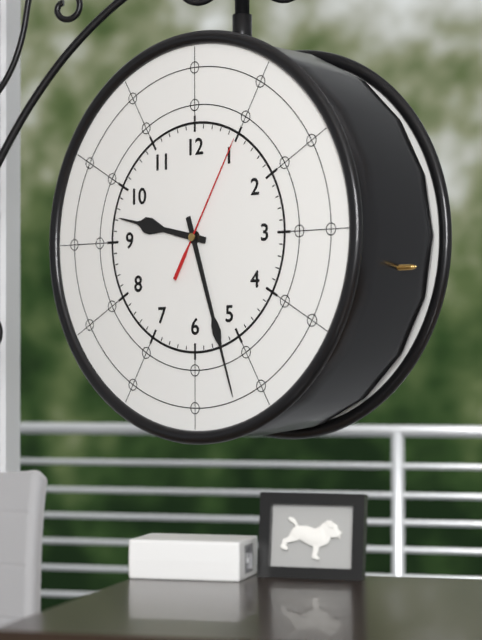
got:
**9:27:05**
